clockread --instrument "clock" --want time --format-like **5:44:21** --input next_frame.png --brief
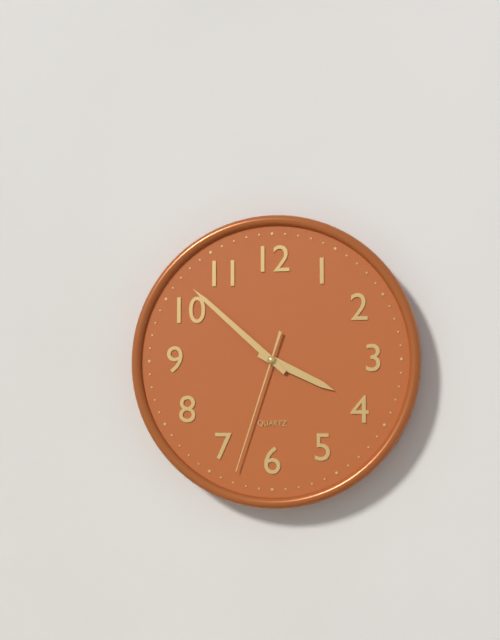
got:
**3:52:33**
